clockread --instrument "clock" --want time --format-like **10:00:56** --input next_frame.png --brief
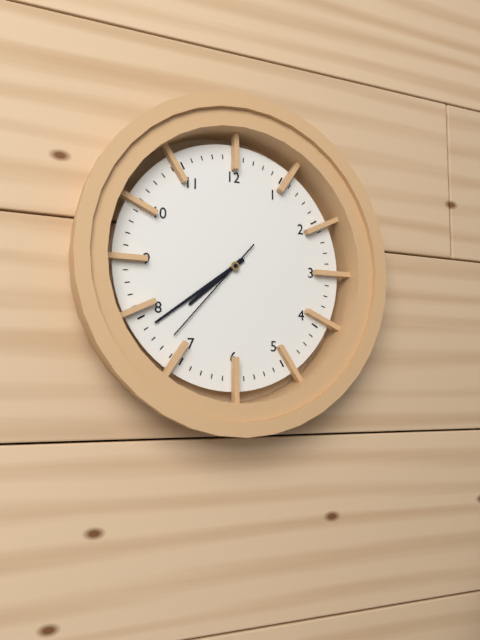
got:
**7:39:37**
